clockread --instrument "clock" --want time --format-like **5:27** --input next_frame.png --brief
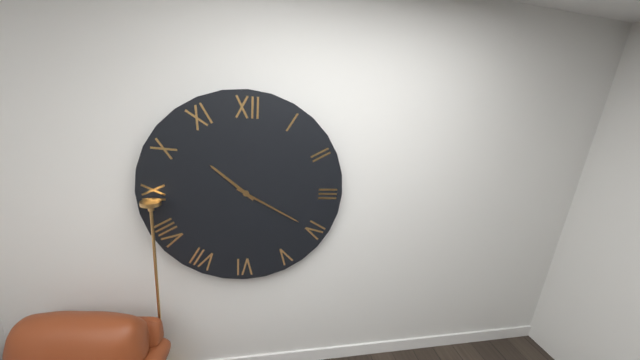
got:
**10:20**
